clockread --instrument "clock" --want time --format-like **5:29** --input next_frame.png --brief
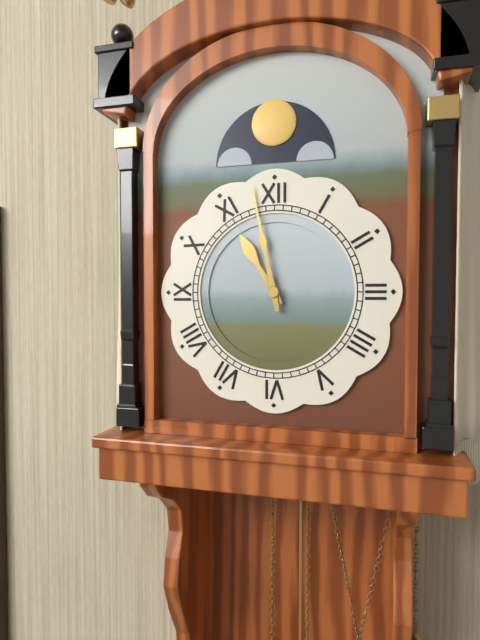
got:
**10:58**
